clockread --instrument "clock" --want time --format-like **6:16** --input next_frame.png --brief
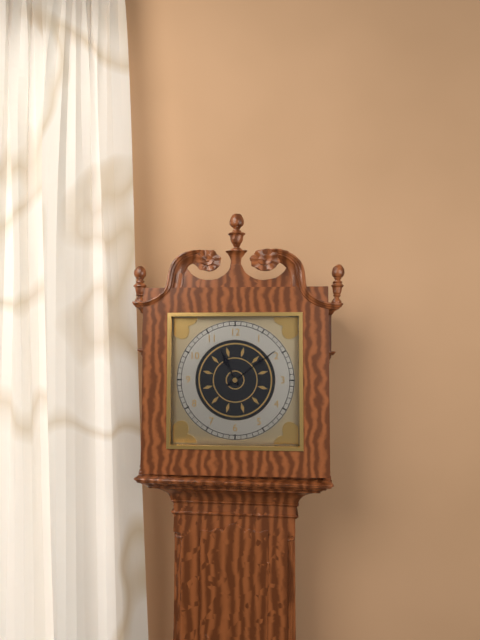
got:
**11:09**
